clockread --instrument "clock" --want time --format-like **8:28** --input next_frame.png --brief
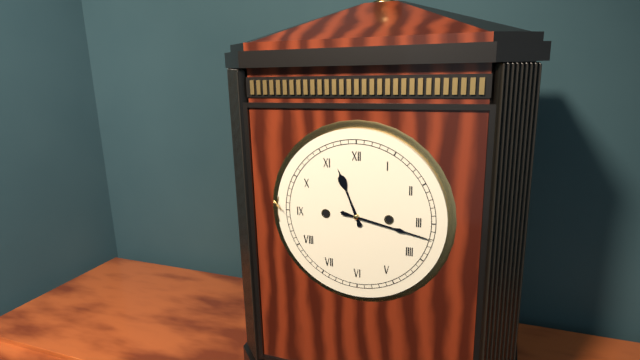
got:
**11:17**
